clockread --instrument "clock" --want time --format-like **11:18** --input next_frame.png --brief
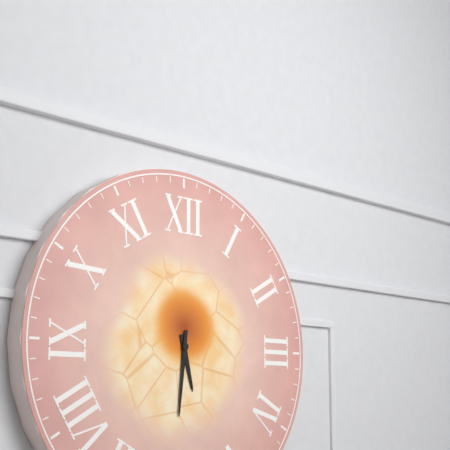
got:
**5:31**
